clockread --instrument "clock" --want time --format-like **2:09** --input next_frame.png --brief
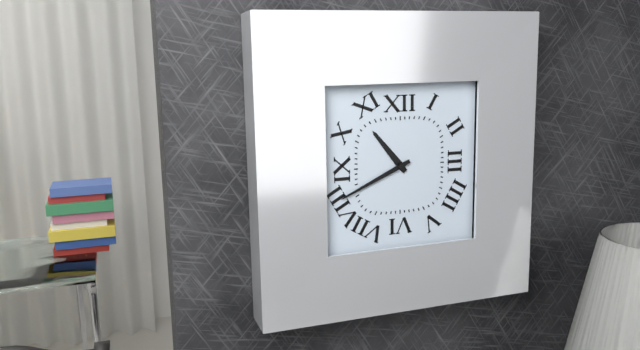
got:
**10:41**
